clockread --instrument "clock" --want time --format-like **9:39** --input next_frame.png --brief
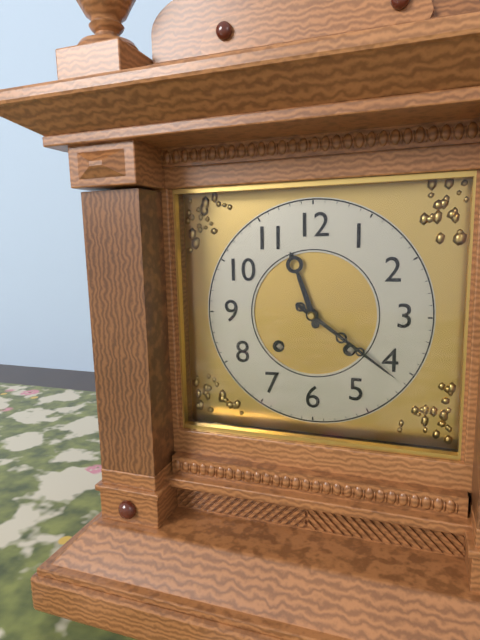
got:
**11:21**
